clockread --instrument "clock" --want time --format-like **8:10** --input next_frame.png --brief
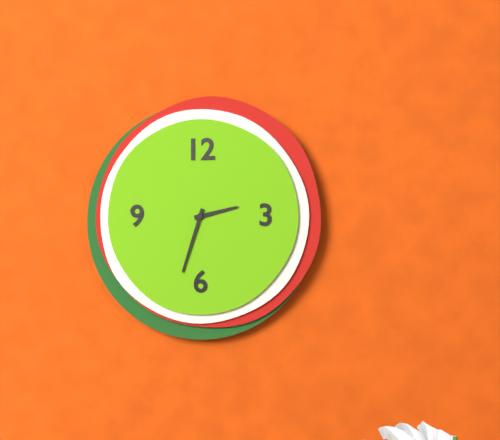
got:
**2:33**
